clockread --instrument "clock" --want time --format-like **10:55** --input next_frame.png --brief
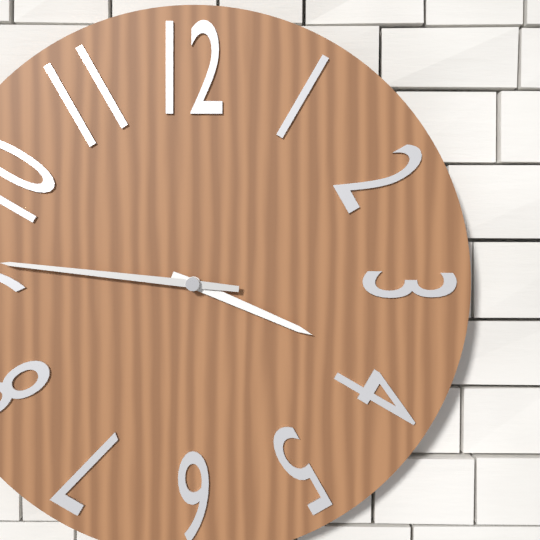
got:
**3:46**
